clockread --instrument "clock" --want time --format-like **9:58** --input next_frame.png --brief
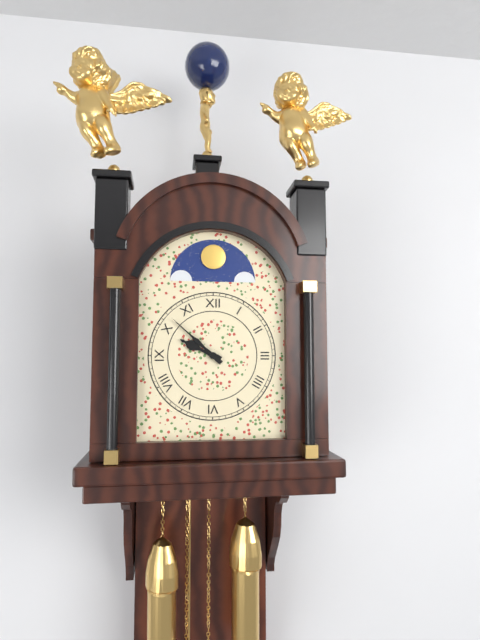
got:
**9:52**
